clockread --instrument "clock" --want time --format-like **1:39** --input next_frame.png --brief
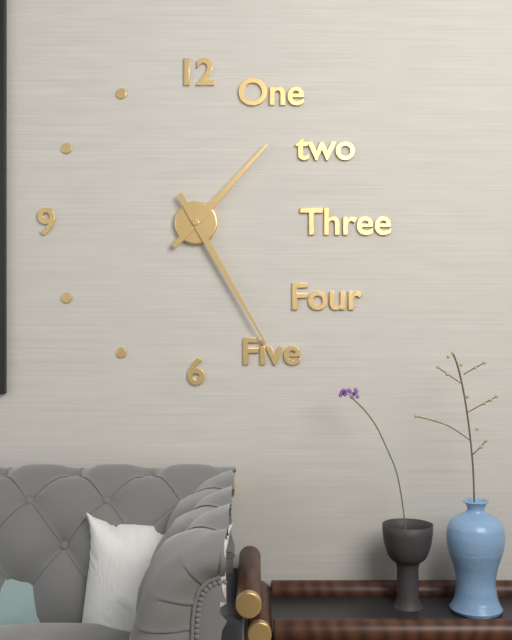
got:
**1:25**
